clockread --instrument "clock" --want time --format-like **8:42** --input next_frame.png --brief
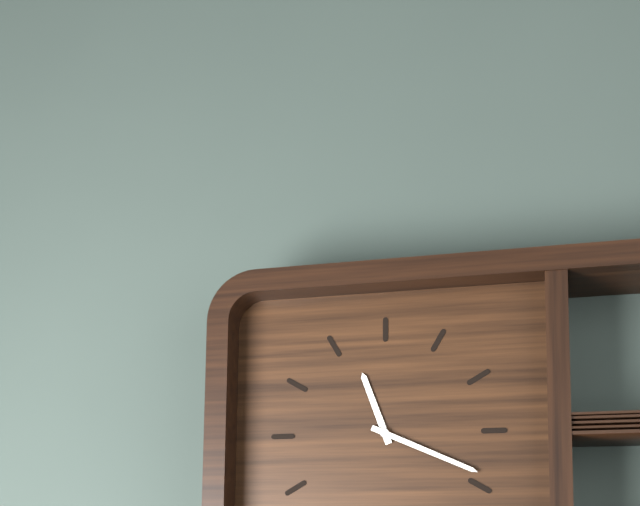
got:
**11:19**
